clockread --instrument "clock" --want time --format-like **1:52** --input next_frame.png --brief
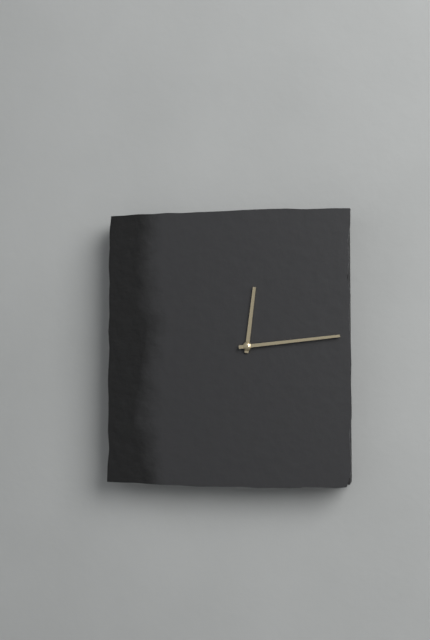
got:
**12:14**
